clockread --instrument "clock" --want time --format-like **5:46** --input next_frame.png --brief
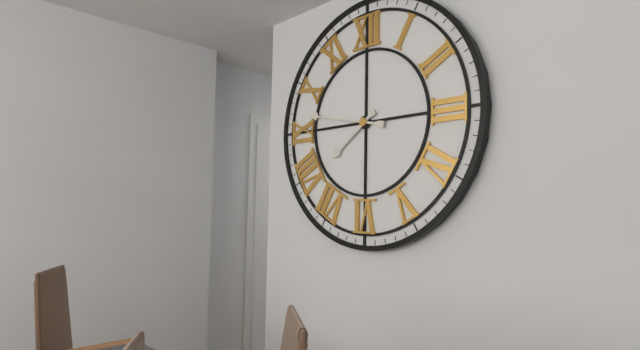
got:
**7:47**
